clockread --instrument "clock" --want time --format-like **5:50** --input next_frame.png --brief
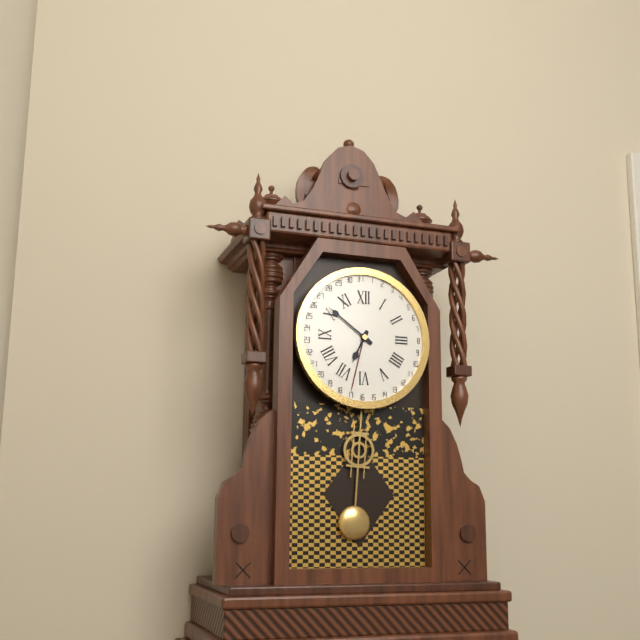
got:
**6:51**
